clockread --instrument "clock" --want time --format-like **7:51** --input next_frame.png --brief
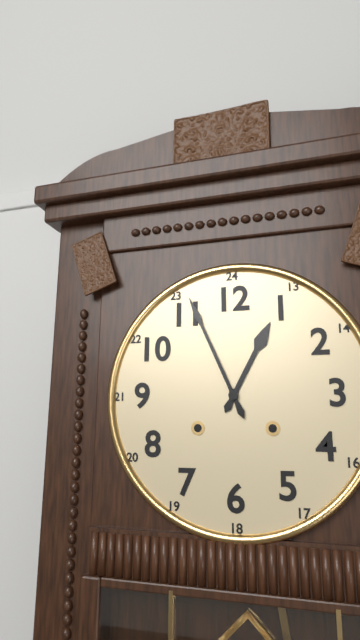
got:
**12:56**
